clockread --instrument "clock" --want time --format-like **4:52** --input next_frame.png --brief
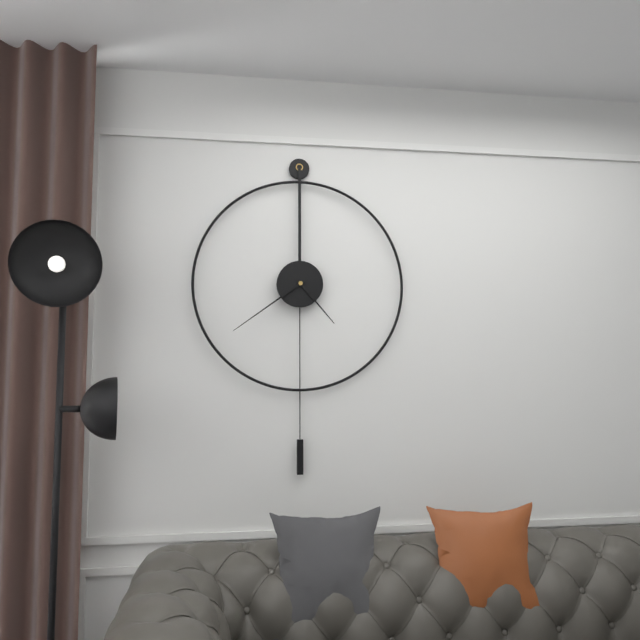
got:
**4:39**
